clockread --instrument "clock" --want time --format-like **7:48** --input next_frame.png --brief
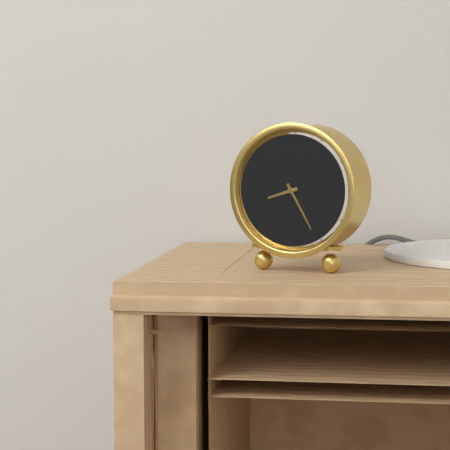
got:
**8:25**
